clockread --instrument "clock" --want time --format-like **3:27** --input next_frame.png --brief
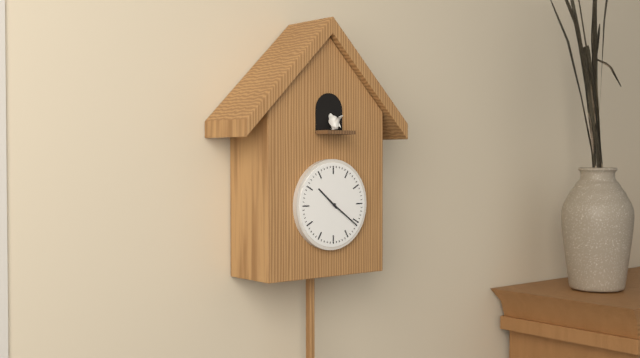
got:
**10:21**
